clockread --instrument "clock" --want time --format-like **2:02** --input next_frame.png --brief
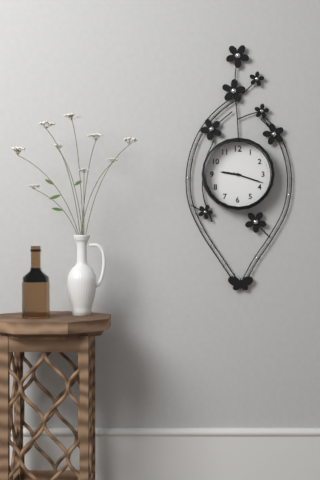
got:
**9:18**
